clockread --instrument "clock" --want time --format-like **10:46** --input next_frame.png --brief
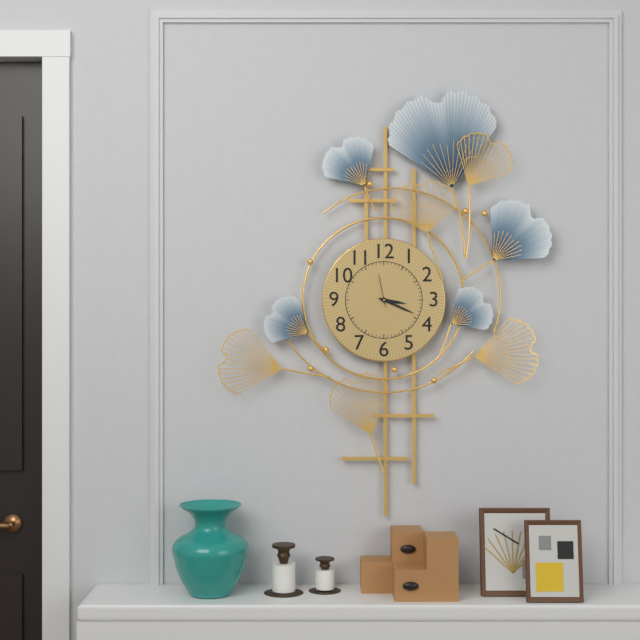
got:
**3:19**
